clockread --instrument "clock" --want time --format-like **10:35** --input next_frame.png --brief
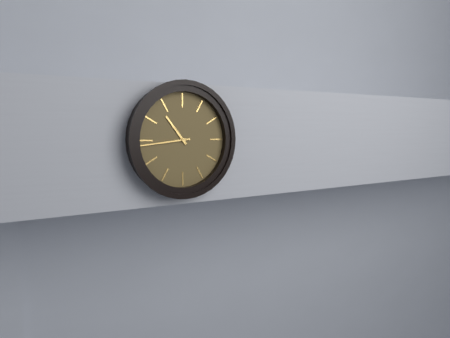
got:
**10:44**
